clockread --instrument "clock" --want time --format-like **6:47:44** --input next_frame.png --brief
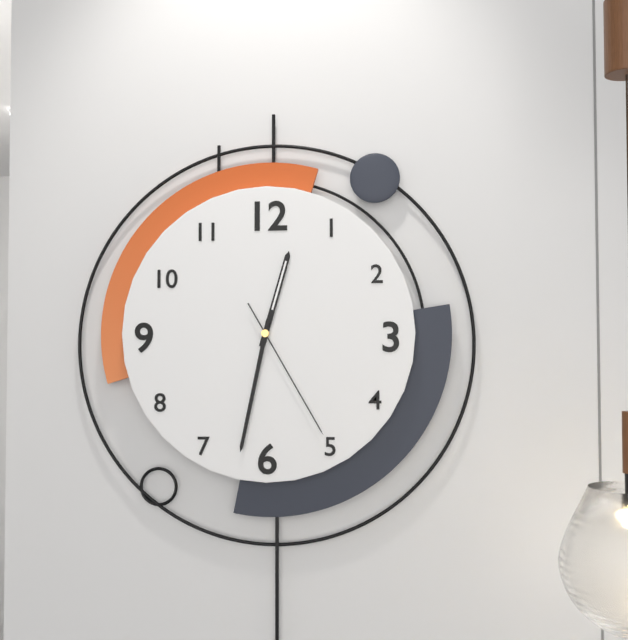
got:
**12:32:25**
